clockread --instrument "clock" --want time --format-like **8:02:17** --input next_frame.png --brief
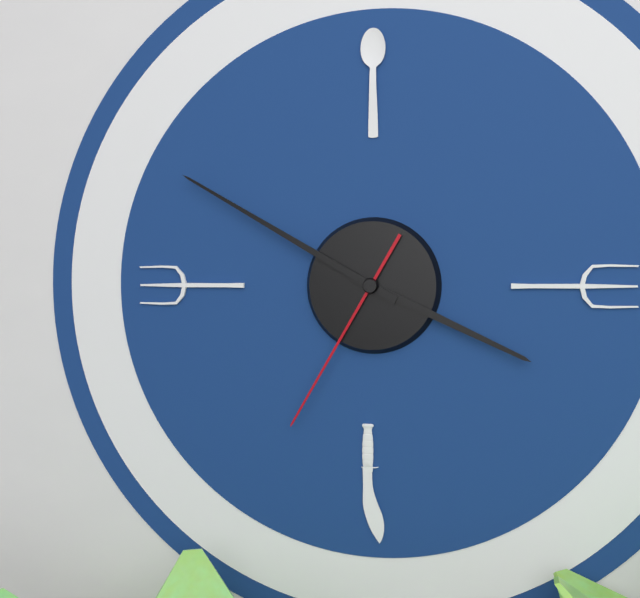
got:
**3:50:35**
